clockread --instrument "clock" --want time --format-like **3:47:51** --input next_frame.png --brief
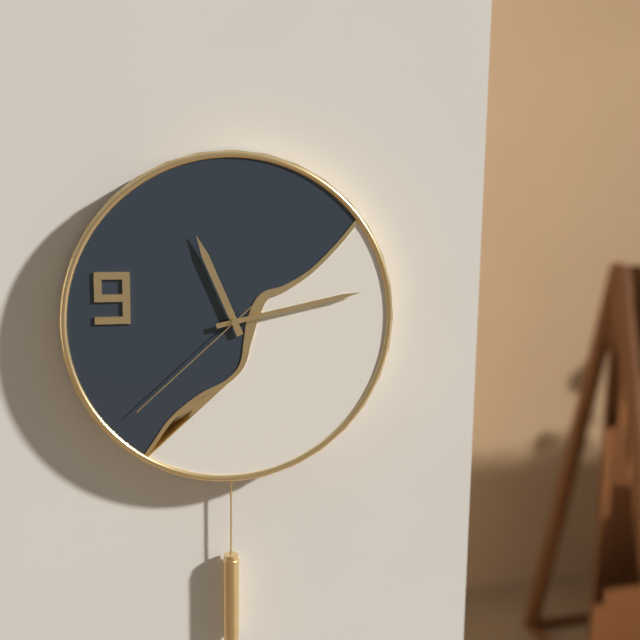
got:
**11:13:38**
